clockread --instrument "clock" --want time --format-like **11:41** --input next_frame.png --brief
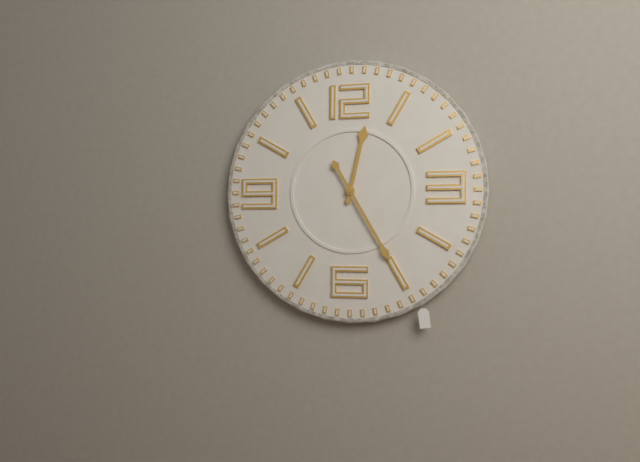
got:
**12:25**
